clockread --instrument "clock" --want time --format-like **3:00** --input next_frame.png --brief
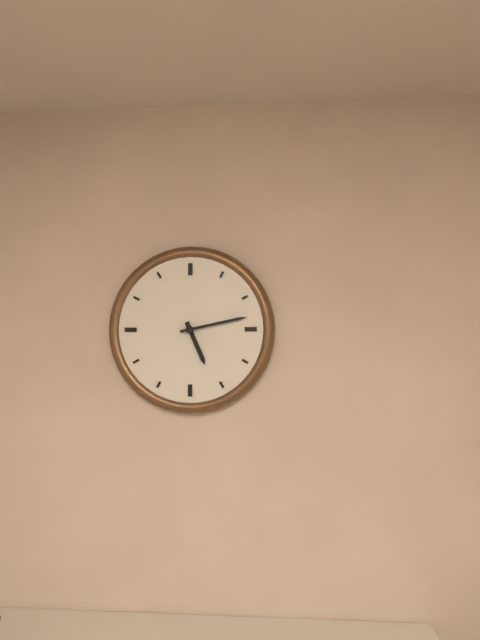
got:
**5:13**
